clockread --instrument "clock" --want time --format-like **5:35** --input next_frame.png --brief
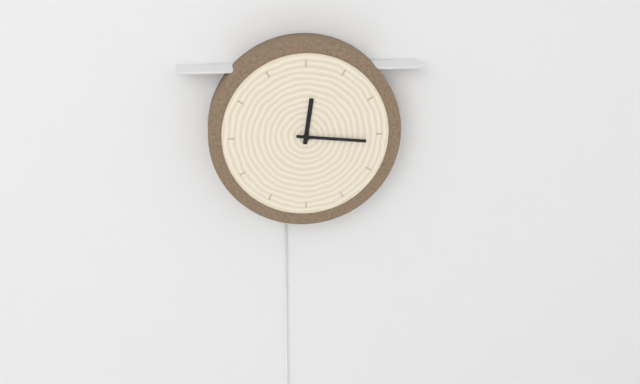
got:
**12:16**
